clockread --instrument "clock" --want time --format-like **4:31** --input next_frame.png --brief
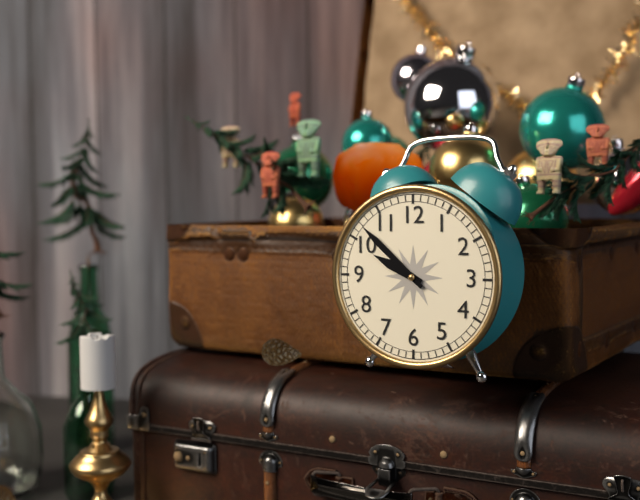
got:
**9:52**
